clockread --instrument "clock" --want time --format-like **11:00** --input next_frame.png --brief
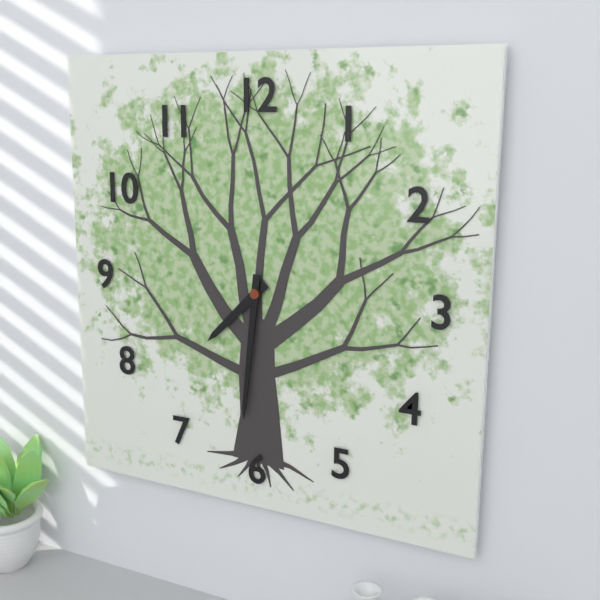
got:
**7:31**
